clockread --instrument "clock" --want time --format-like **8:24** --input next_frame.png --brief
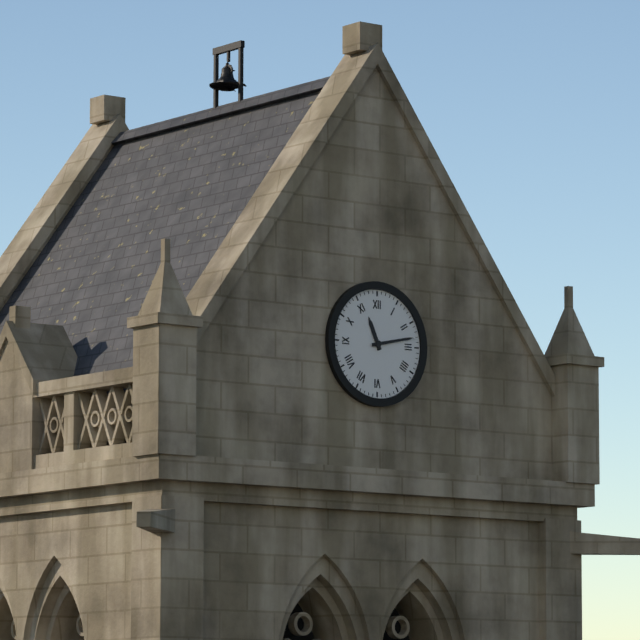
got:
**11:13**
